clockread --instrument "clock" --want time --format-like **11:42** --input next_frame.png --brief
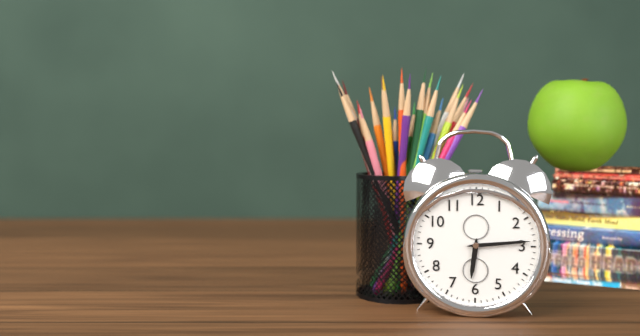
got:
**6:14**
